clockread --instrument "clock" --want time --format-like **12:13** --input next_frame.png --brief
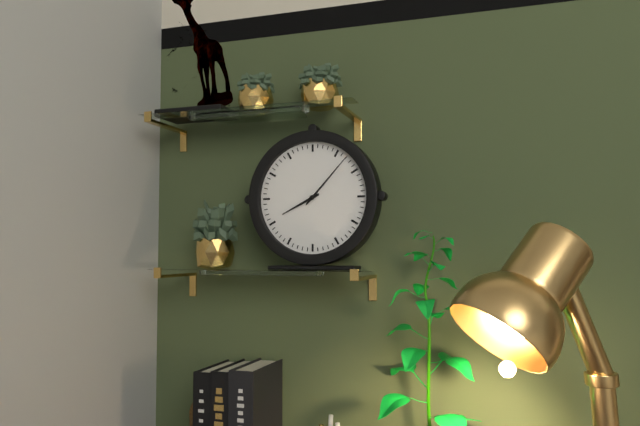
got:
**8:07**
